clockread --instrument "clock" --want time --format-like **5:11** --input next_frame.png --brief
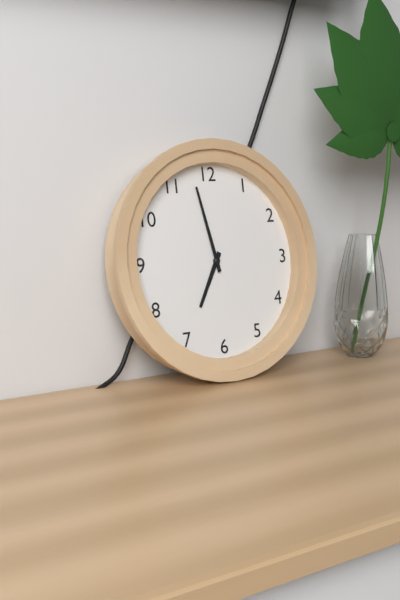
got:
**6:58**
